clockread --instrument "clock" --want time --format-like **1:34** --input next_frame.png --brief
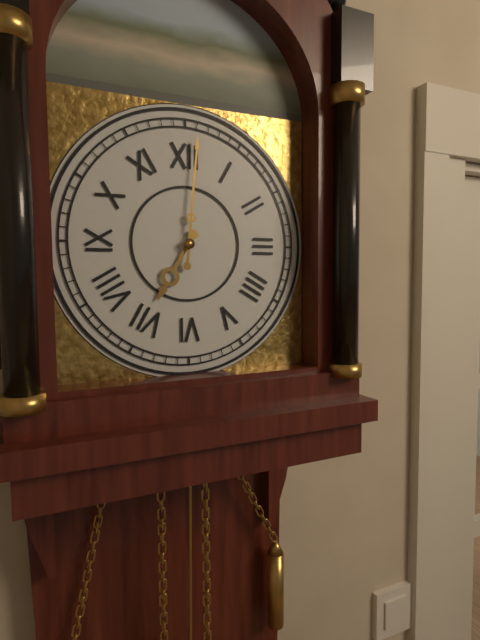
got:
**7:01**
